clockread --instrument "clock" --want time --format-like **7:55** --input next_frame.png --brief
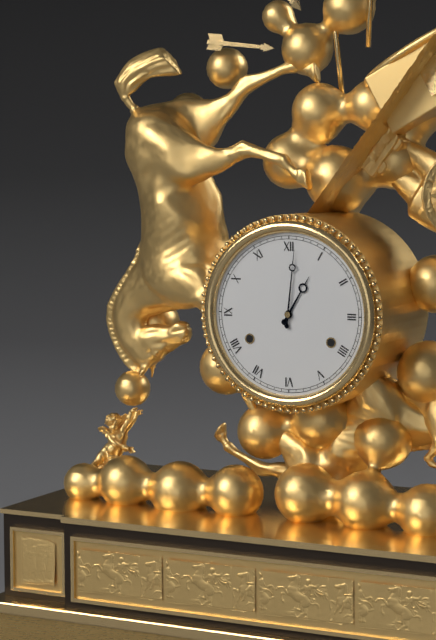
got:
**1:01**
